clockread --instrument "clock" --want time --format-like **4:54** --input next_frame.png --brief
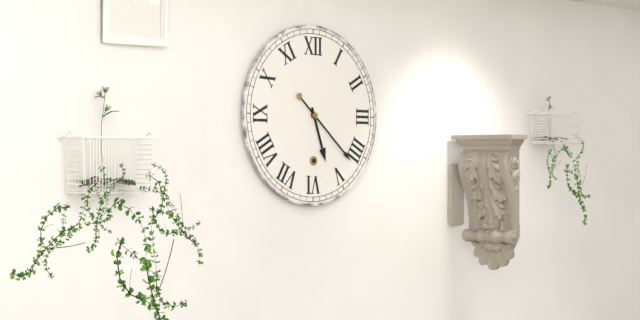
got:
**5:22**
